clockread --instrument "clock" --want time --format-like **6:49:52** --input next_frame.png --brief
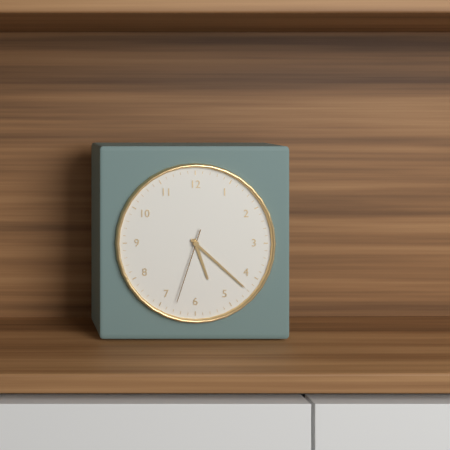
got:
**5:22:33**
